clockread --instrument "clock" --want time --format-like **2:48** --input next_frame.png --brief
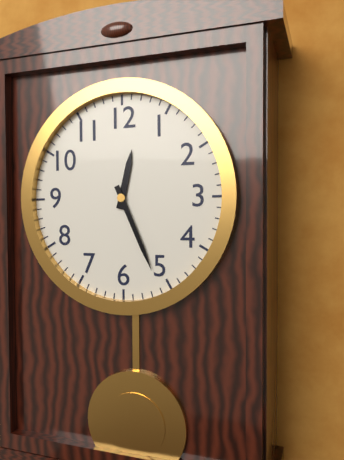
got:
**12:26**
